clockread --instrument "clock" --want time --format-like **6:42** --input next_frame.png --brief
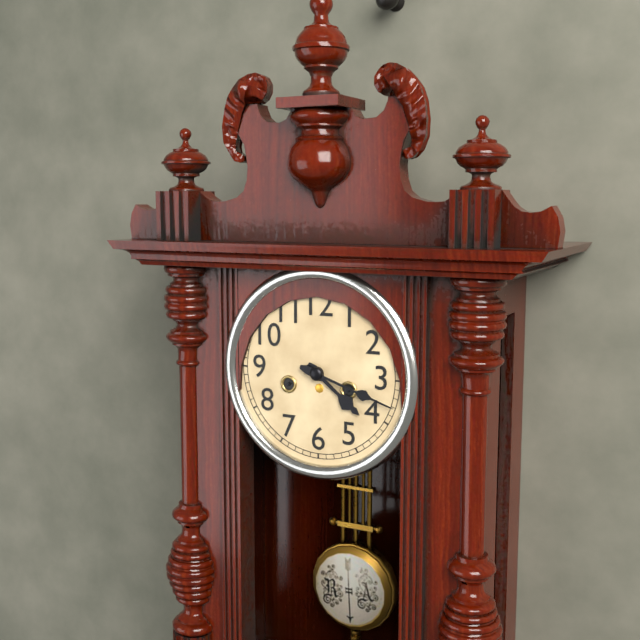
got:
**4:18**
